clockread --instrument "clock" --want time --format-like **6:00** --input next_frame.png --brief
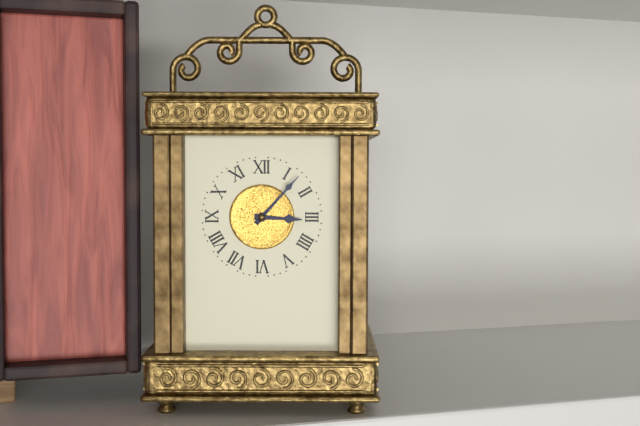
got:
**3:07**
